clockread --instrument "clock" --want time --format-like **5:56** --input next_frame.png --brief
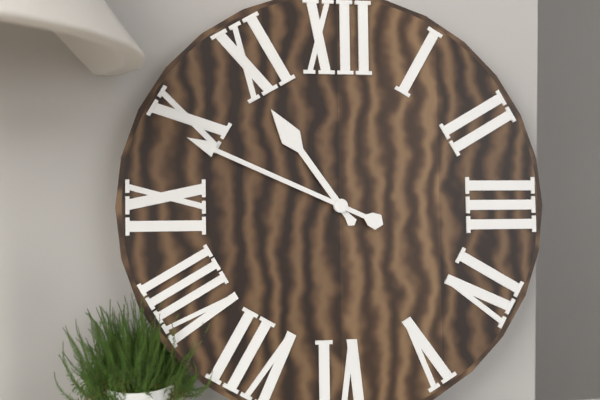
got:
**10:49**
